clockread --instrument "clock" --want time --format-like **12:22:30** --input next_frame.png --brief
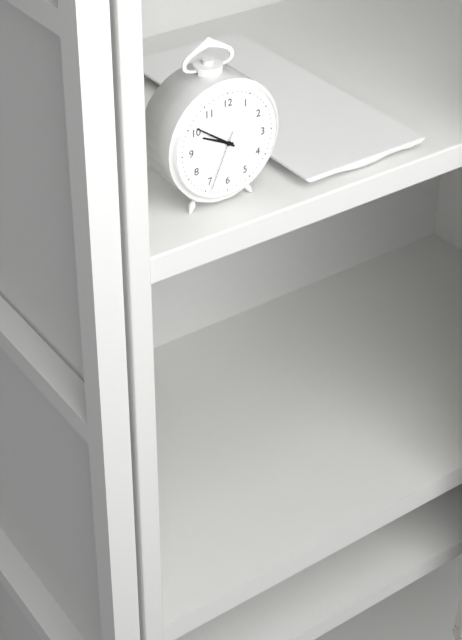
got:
**9:51:34**
